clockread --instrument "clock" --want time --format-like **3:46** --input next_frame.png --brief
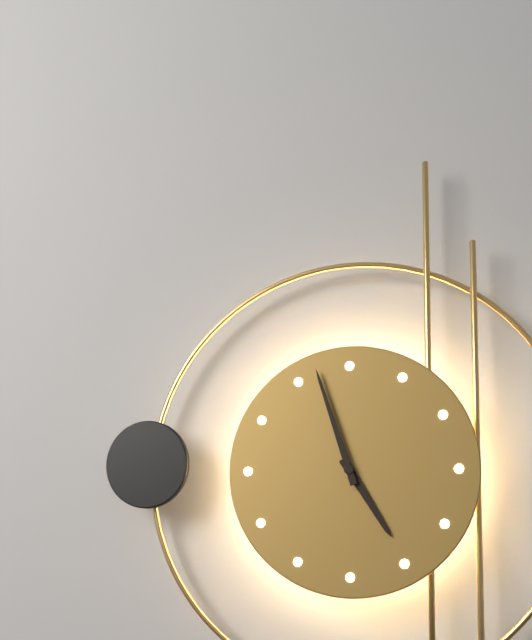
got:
**4:57**
